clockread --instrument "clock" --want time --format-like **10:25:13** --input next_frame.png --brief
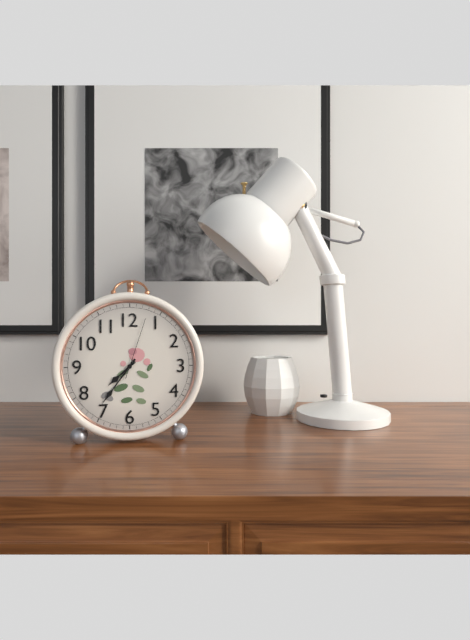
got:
**7:36:03**
